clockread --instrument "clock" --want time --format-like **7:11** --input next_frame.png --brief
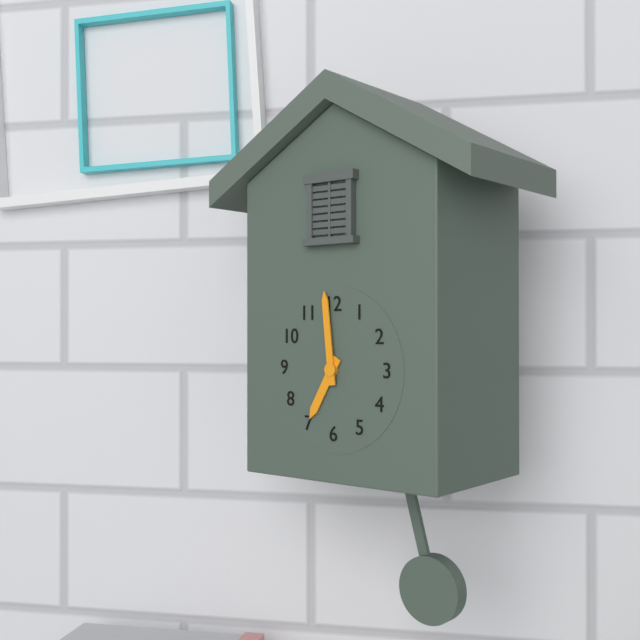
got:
**6:59**
